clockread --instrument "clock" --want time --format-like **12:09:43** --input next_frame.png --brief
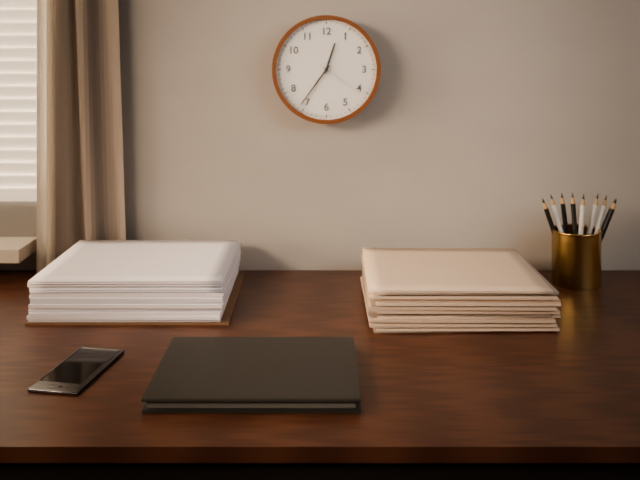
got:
**12:36:21**
